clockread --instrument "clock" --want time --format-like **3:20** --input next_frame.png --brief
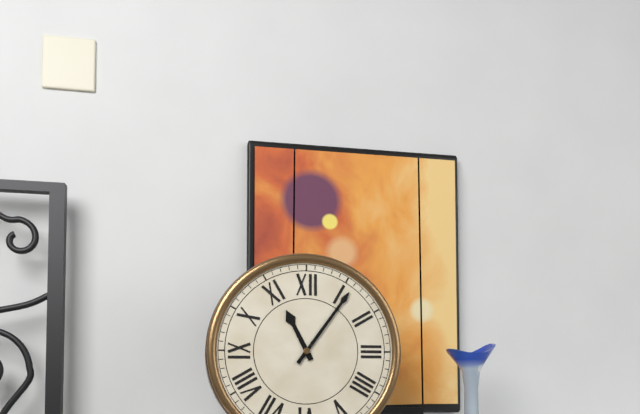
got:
**11:06**
